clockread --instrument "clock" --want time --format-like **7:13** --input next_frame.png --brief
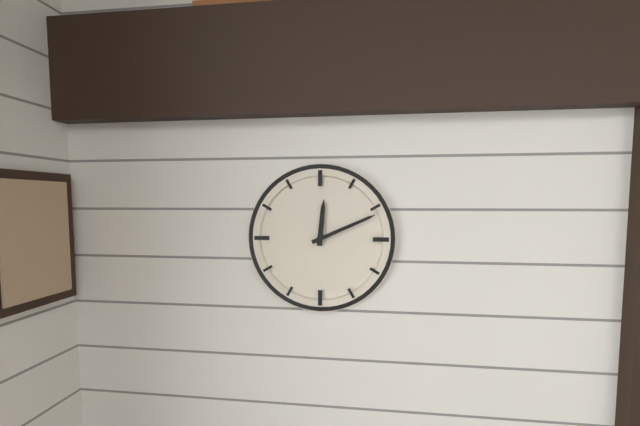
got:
**12:11**
